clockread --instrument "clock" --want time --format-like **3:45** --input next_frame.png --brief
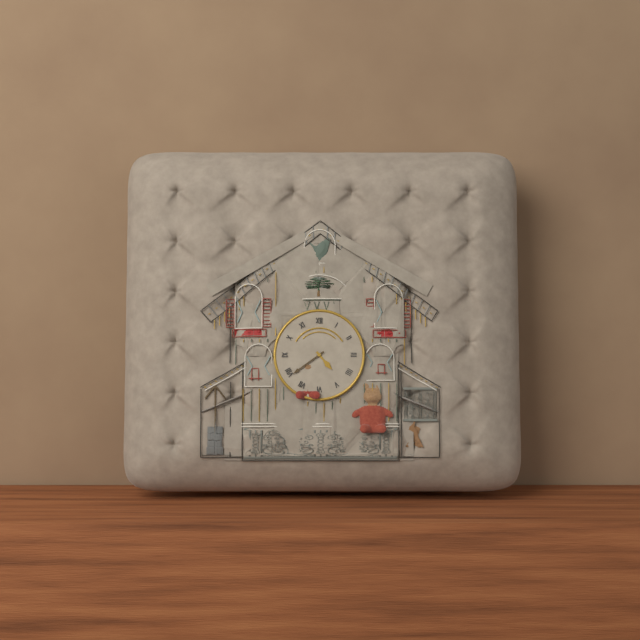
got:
**4:39**
